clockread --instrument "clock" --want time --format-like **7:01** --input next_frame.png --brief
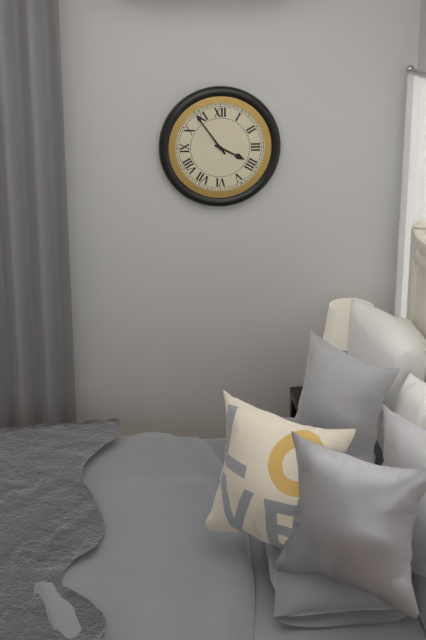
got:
**3:54**
